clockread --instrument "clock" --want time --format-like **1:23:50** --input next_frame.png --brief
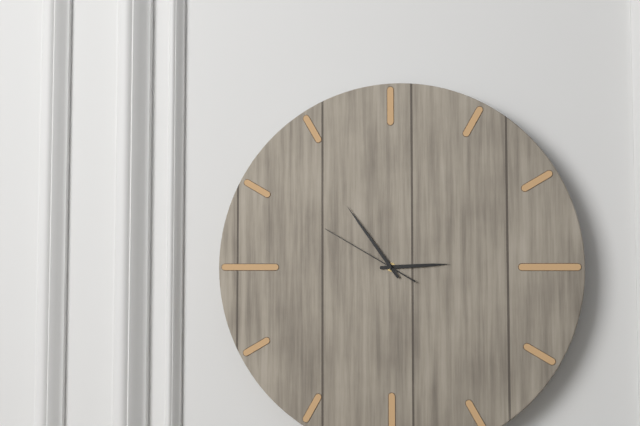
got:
**2:54:50**
